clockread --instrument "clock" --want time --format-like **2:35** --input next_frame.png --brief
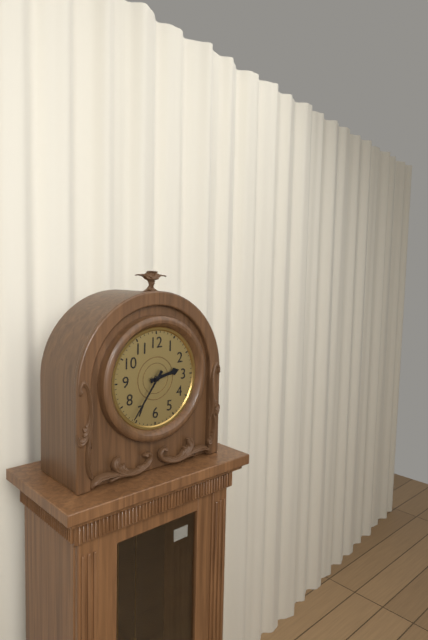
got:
**2:36**
